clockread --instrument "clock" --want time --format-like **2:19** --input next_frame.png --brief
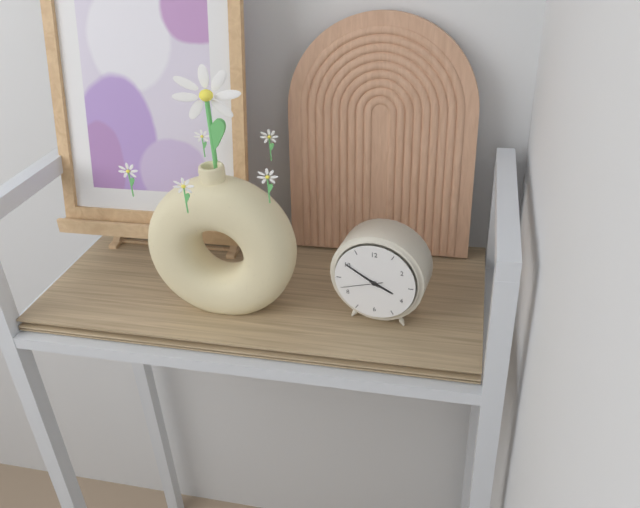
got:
**3:50**
